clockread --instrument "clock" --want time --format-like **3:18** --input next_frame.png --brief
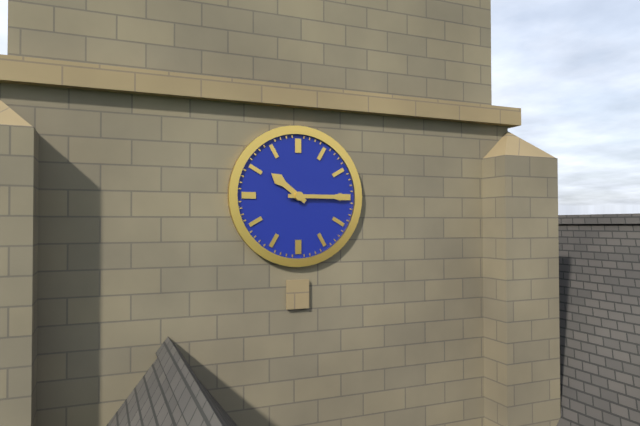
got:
**10:15**
